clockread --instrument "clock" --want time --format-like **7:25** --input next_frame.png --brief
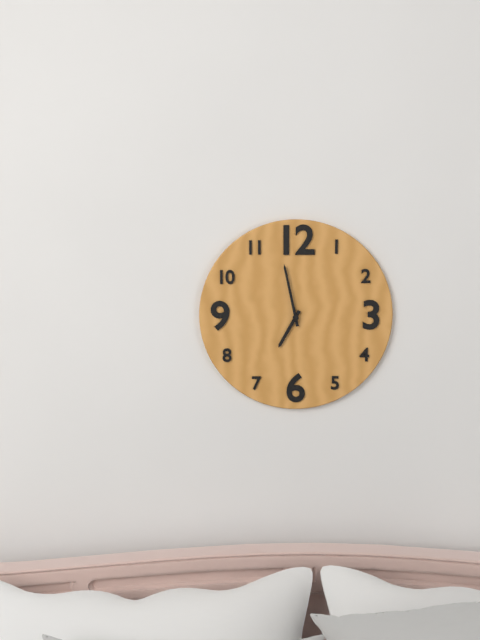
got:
**6:58**
